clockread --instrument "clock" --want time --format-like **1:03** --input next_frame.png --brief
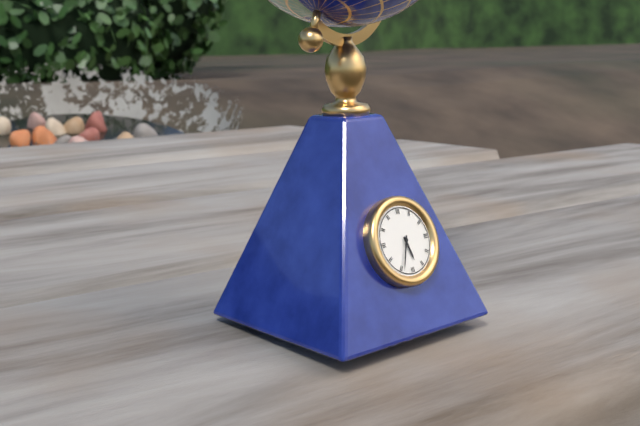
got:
**5:34**
